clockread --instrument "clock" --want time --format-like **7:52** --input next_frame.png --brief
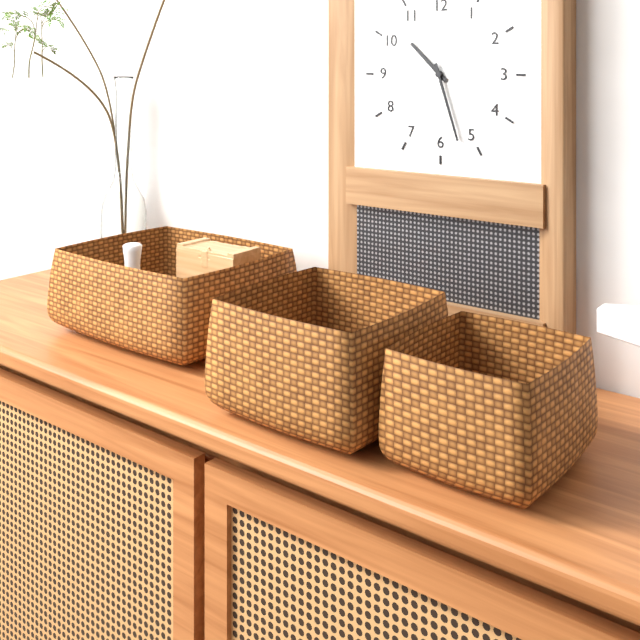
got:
**10:27**
